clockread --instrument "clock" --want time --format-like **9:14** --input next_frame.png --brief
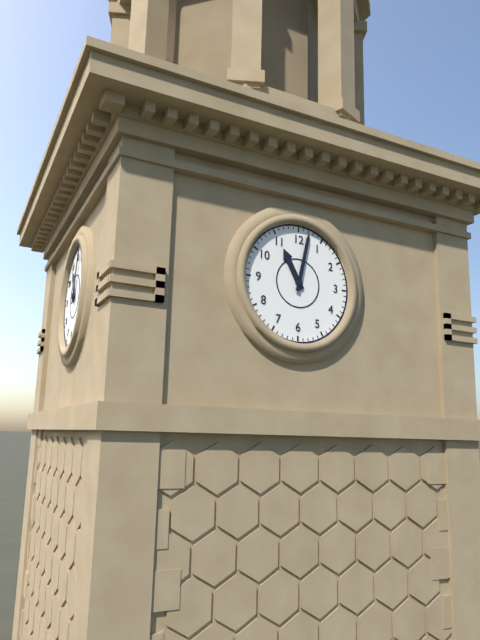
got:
**11:02**
